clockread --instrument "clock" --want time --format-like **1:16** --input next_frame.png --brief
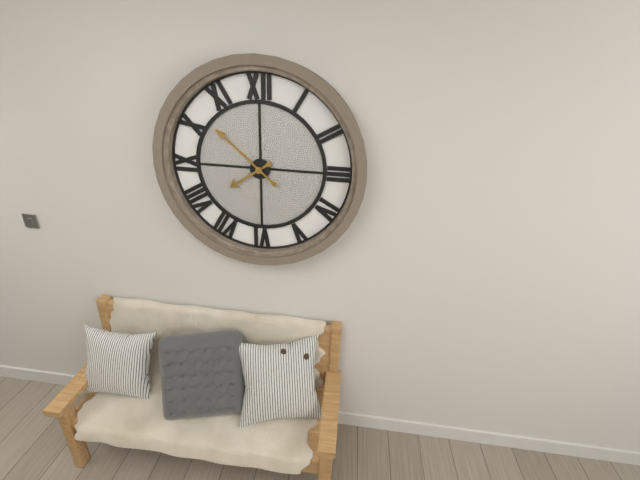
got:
**7:52**
